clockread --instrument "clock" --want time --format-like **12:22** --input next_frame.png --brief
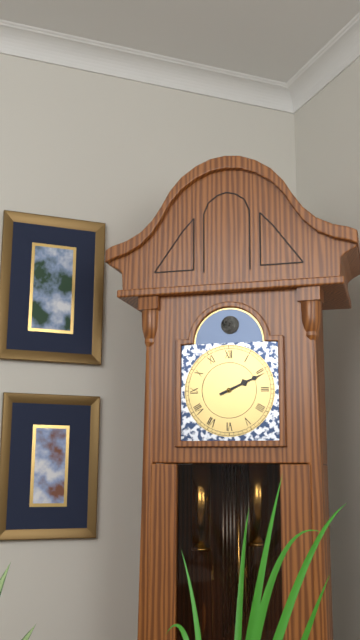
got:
**2:11**
